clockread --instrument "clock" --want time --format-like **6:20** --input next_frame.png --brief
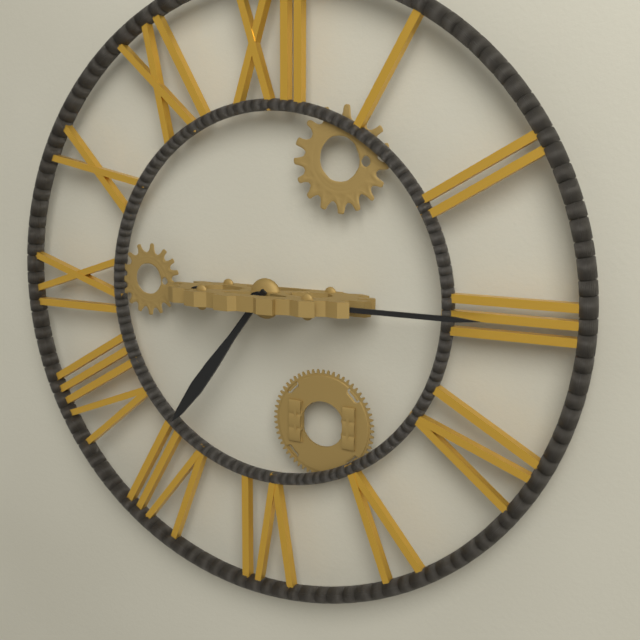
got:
**7:15**
